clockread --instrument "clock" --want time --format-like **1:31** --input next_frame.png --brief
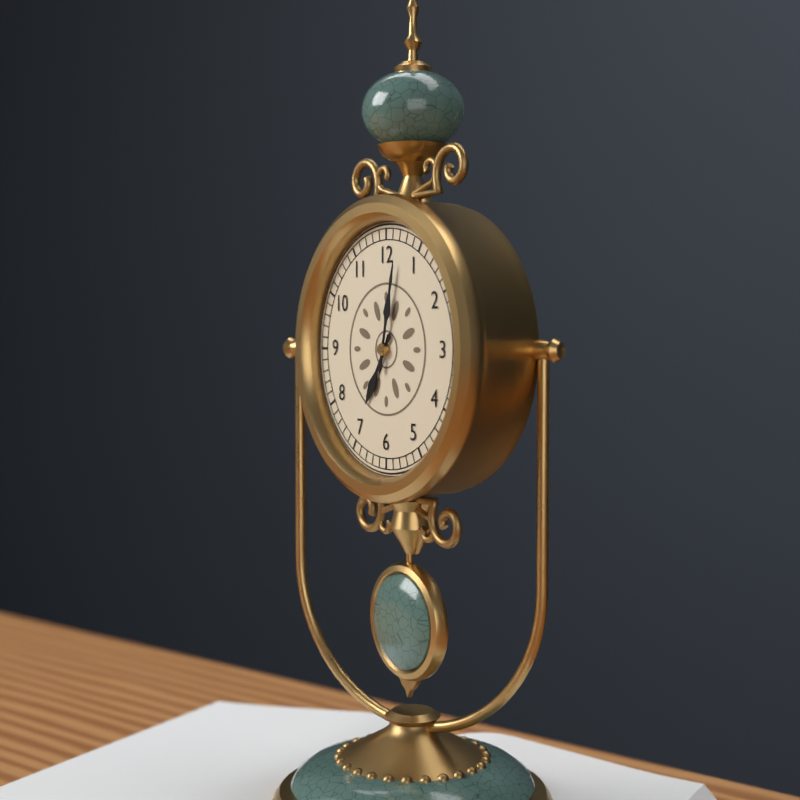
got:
**7:02**
